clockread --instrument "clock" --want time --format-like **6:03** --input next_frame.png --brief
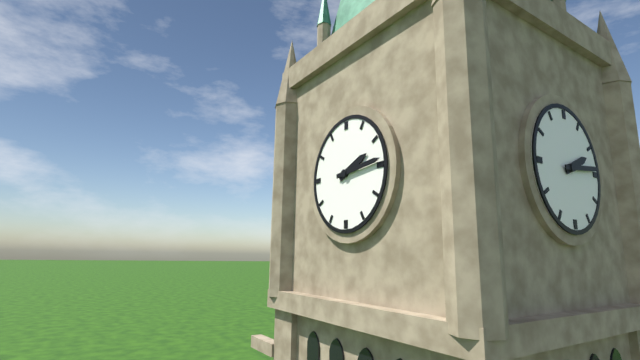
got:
**2:14**
